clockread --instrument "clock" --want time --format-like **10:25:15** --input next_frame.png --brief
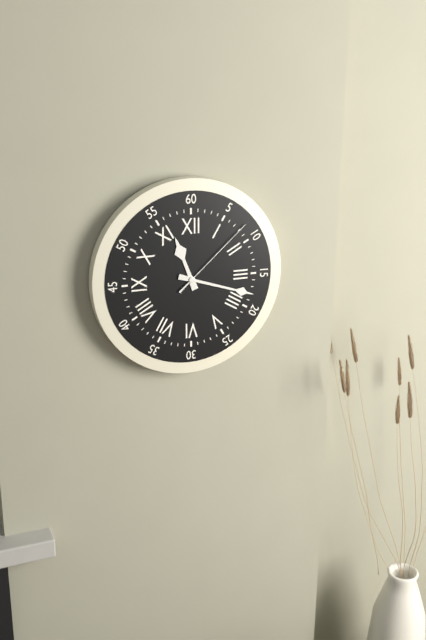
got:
**11:18:08**
